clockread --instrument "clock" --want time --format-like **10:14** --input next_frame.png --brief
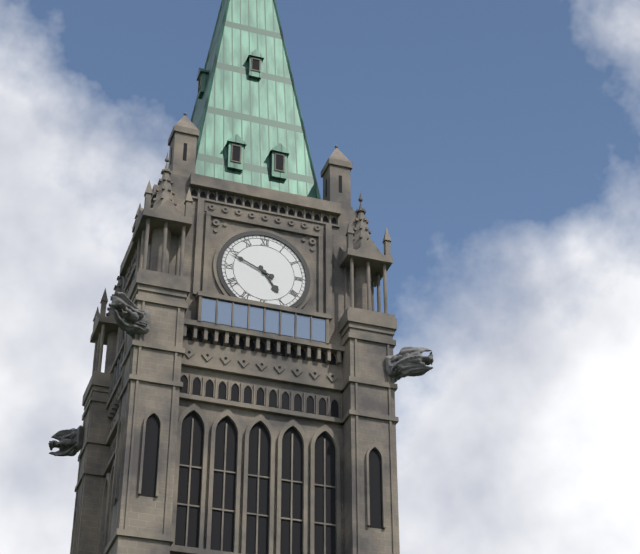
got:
**4:49**
